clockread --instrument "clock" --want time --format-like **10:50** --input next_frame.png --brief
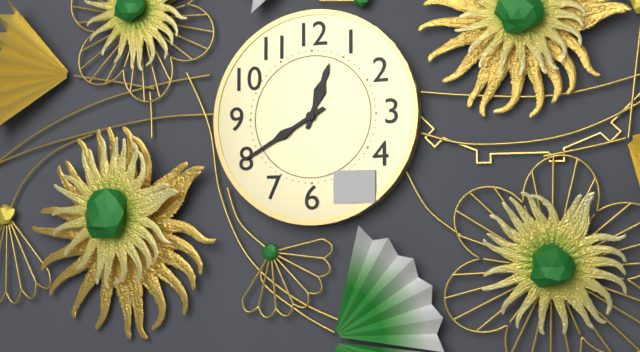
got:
**12:40**
